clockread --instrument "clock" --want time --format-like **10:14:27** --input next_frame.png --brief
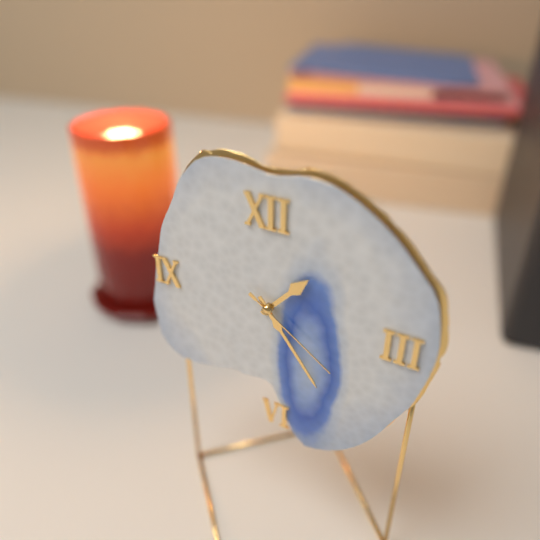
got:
**1:24:21**
